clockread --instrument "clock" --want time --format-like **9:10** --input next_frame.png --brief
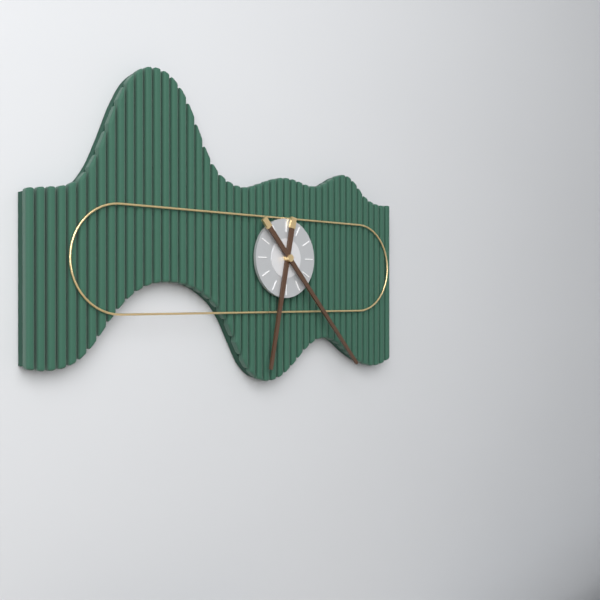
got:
**6:23**
